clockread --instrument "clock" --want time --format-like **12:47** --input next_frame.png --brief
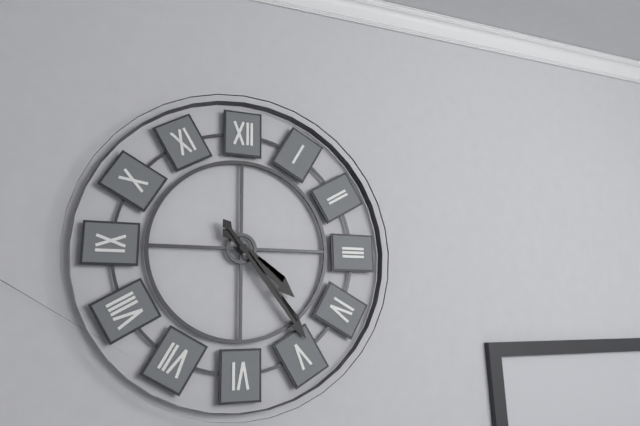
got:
**4:24**
